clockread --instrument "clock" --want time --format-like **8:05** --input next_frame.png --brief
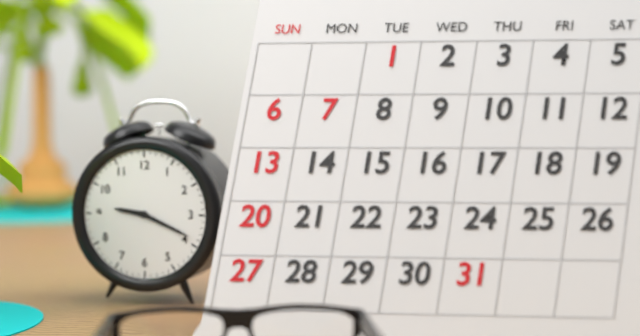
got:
**9:19**
